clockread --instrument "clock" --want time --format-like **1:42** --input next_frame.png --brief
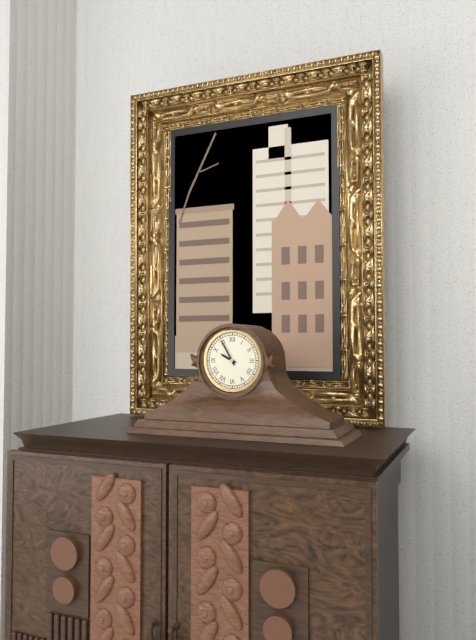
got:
**9:55**
